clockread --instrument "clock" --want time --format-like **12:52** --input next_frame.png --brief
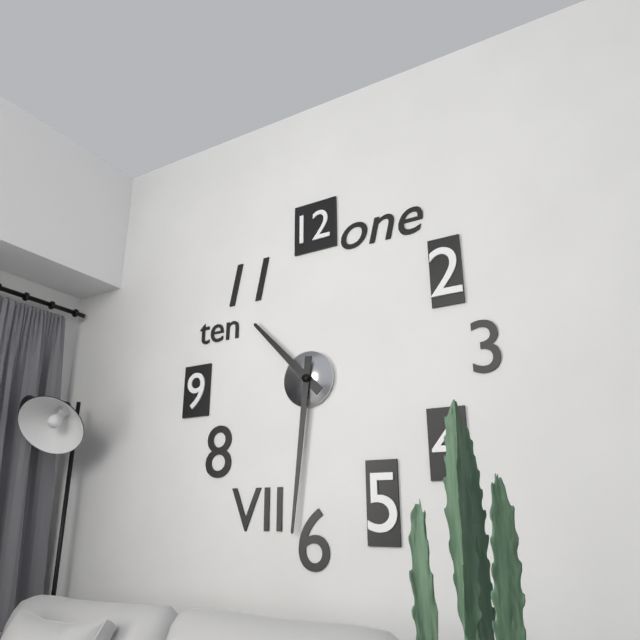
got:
**10:31**
